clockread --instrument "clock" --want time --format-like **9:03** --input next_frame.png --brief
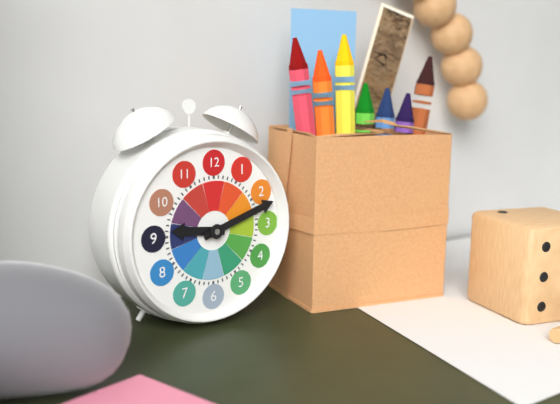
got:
**9:12**
